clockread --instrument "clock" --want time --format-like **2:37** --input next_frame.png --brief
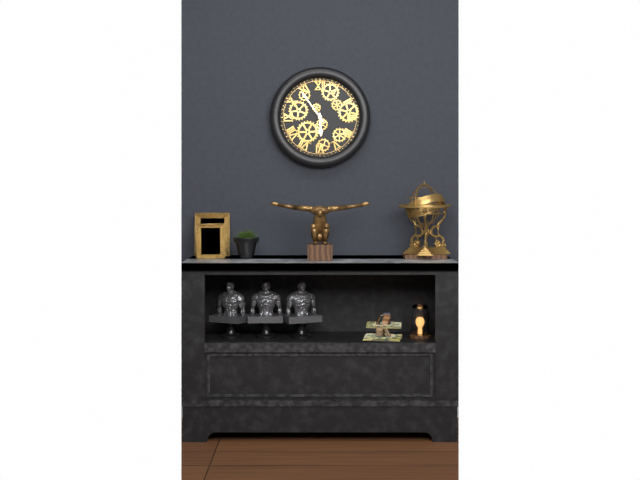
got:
**5:54**
